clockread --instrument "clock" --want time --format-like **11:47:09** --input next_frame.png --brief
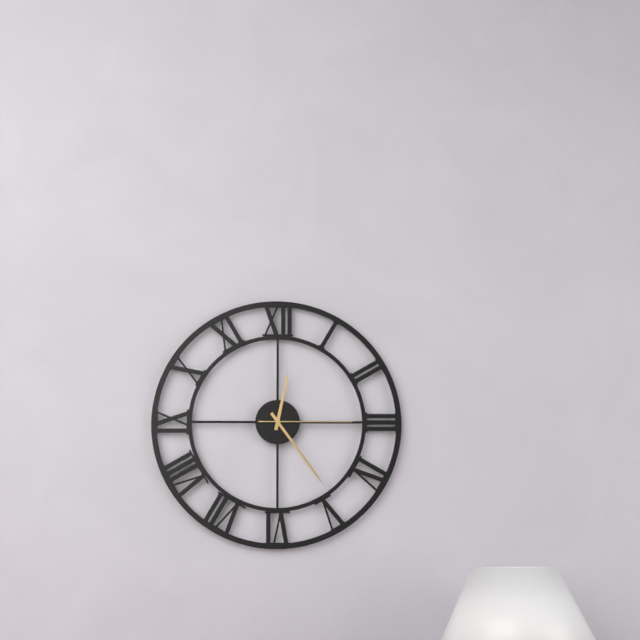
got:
**12:24:15**
